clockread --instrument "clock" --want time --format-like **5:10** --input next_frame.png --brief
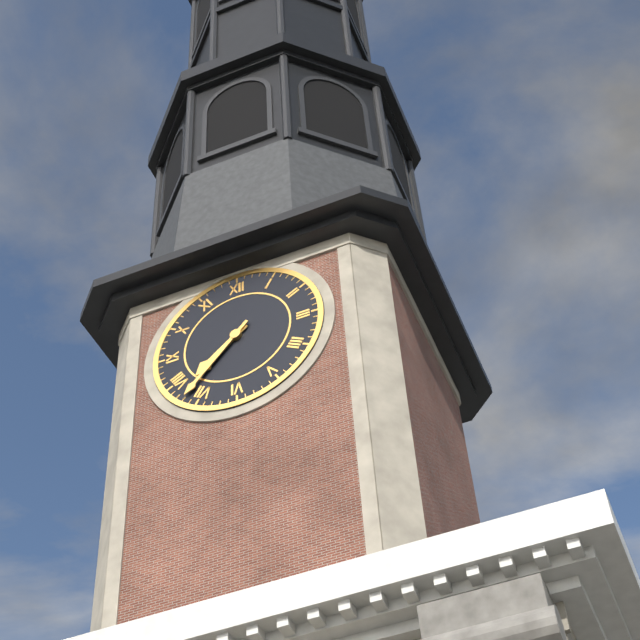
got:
**7:37**
